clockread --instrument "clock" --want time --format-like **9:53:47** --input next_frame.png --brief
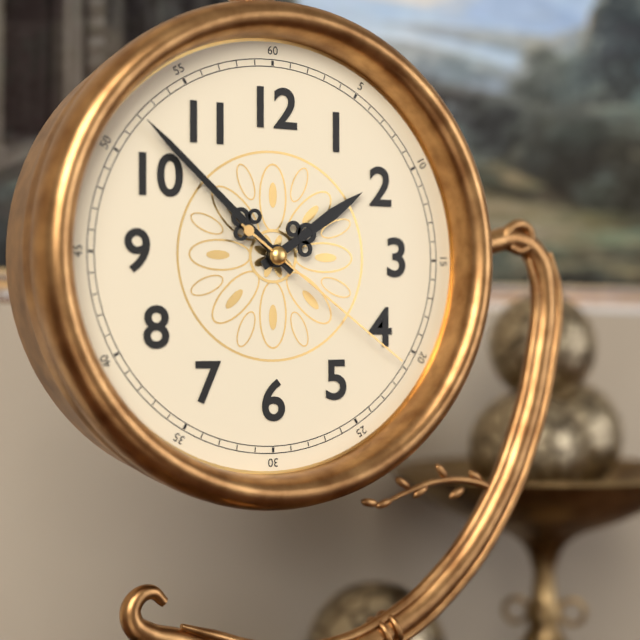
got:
**1:52:21**
